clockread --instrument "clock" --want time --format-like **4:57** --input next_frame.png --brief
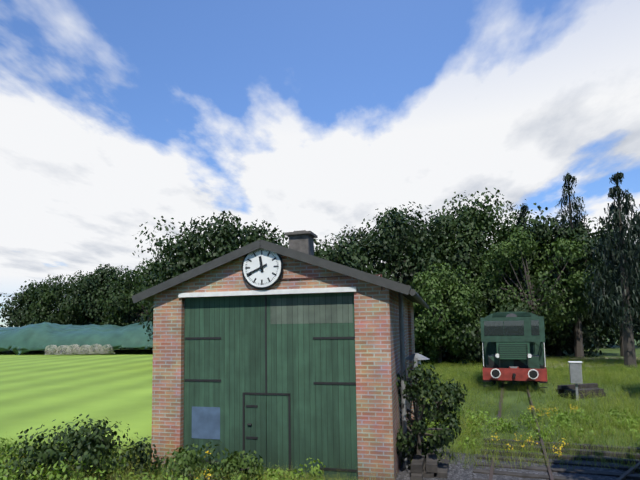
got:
**11:41**
